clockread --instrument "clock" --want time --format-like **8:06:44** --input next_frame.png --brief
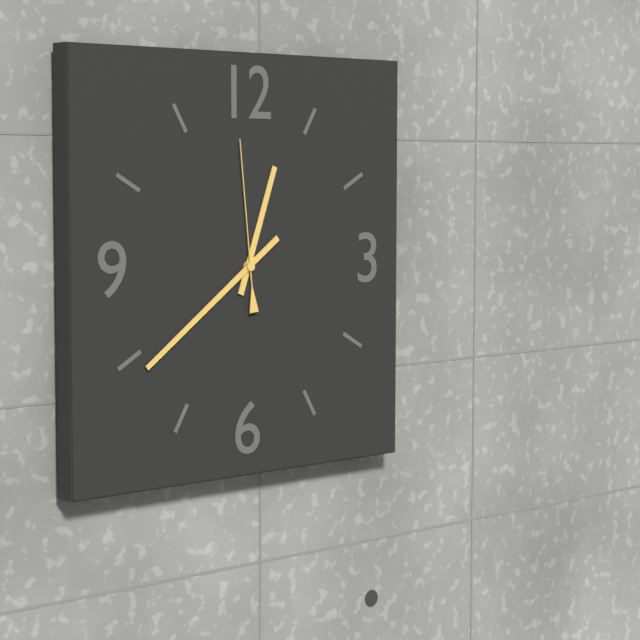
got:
**12:39:59**
